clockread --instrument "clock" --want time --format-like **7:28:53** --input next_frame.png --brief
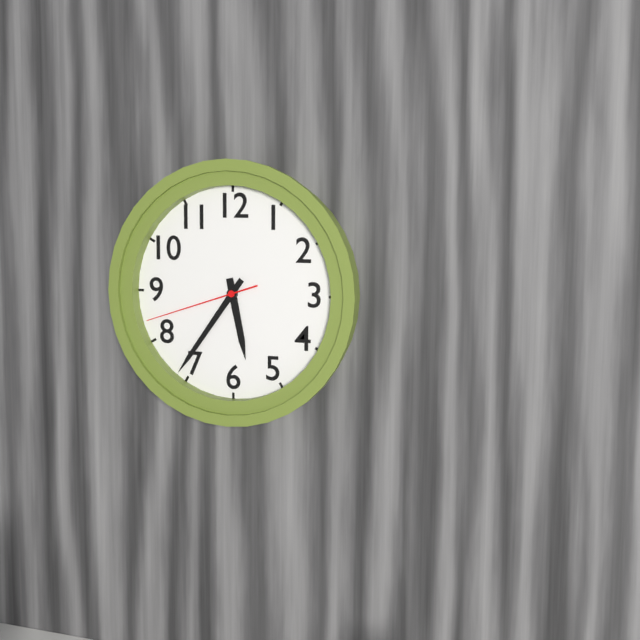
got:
**5:36:42**
